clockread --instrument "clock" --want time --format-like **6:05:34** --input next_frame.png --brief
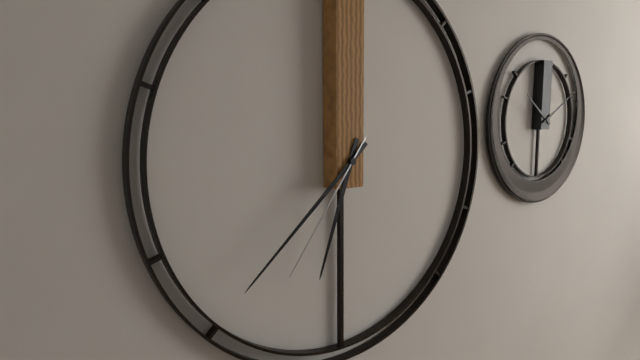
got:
**6:38:36**
